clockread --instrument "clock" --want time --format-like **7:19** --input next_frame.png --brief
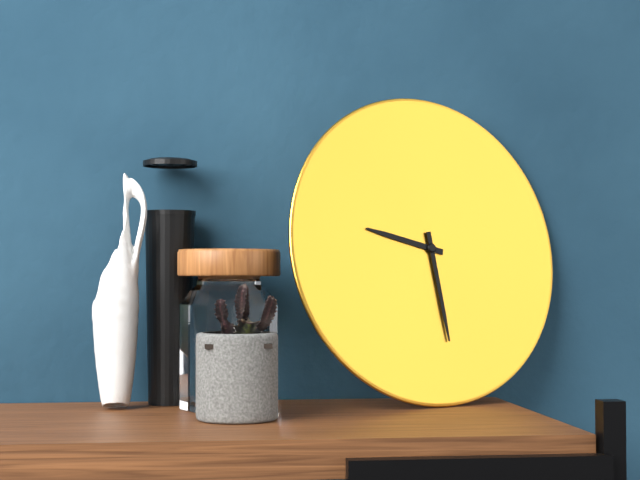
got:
**9:29**
